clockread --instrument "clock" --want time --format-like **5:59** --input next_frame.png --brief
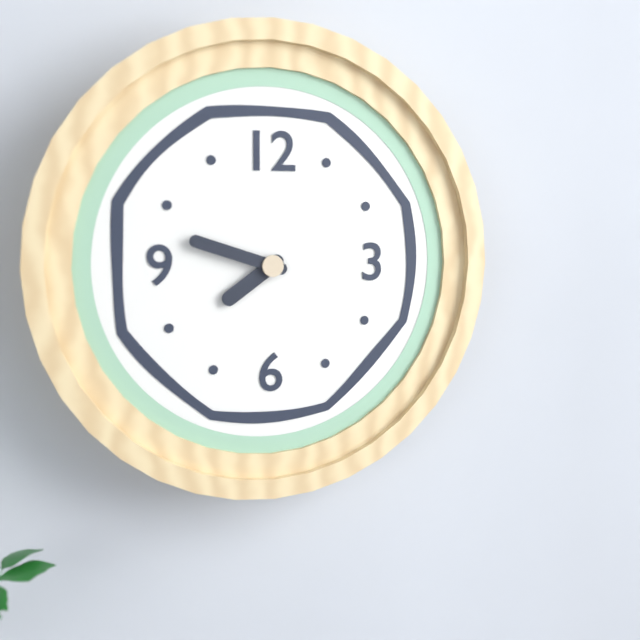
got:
**7:48**
